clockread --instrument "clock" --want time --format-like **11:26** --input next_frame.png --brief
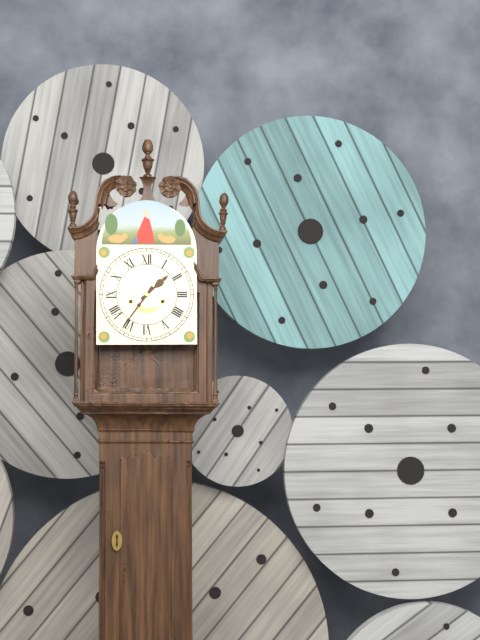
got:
**1:36**
